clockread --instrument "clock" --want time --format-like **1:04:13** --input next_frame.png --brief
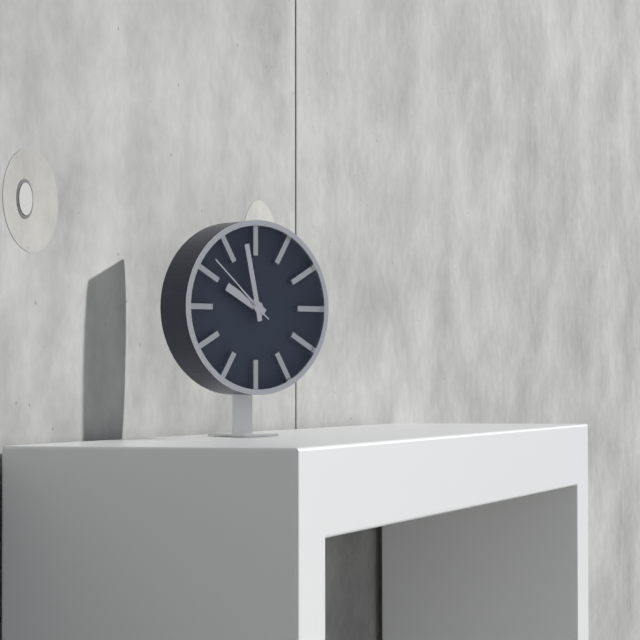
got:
**9:58:52**
